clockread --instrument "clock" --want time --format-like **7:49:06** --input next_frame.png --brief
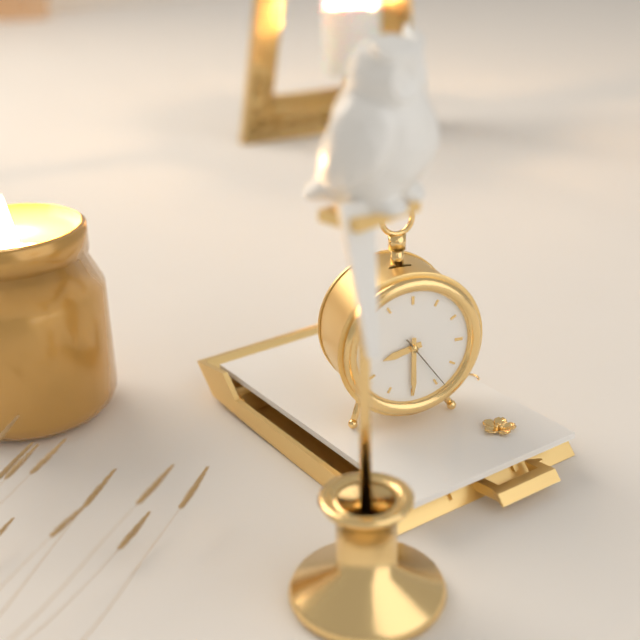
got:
**8:30:24**
